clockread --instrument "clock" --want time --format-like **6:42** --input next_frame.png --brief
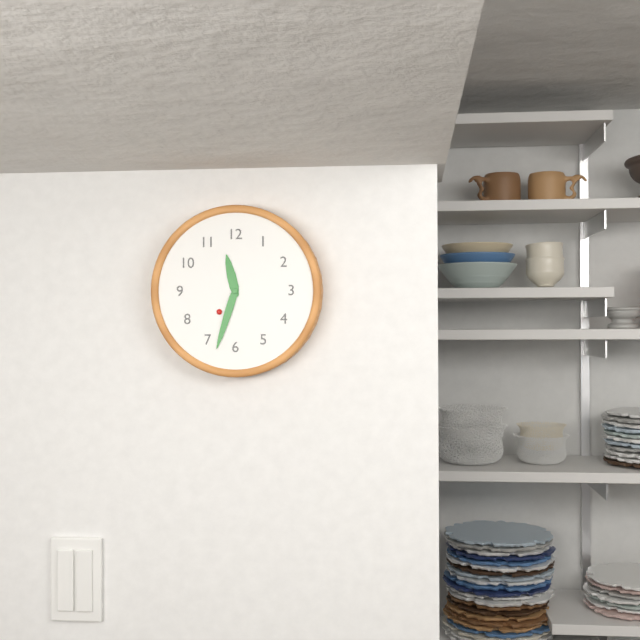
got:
**11:33**
